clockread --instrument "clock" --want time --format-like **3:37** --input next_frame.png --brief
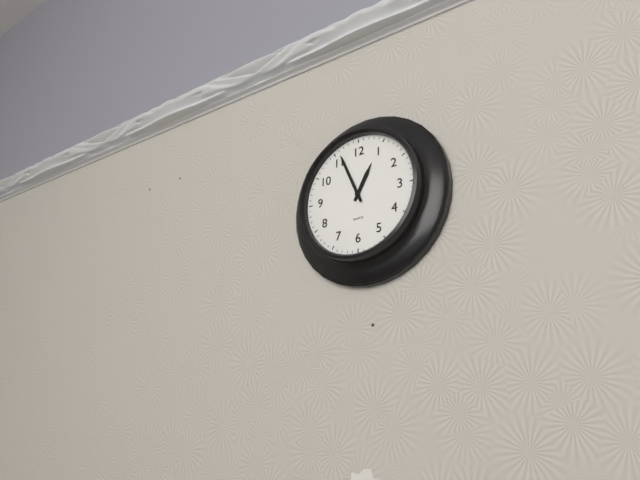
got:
**12:56**
